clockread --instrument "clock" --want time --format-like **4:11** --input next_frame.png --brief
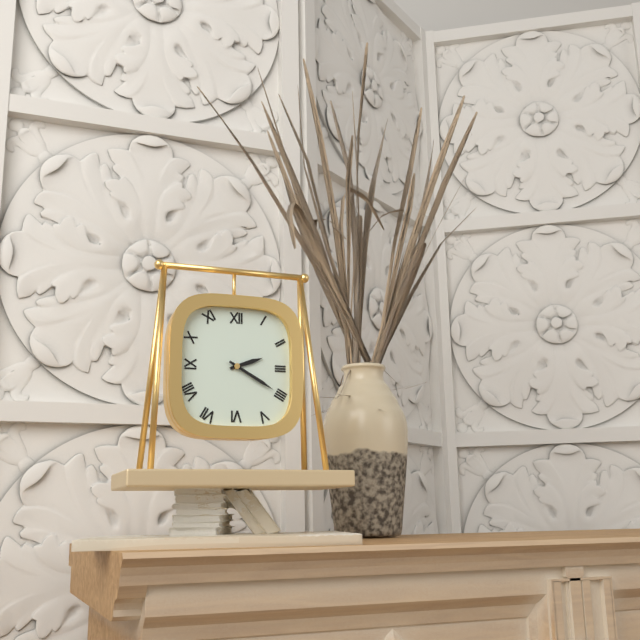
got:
**2:20**
